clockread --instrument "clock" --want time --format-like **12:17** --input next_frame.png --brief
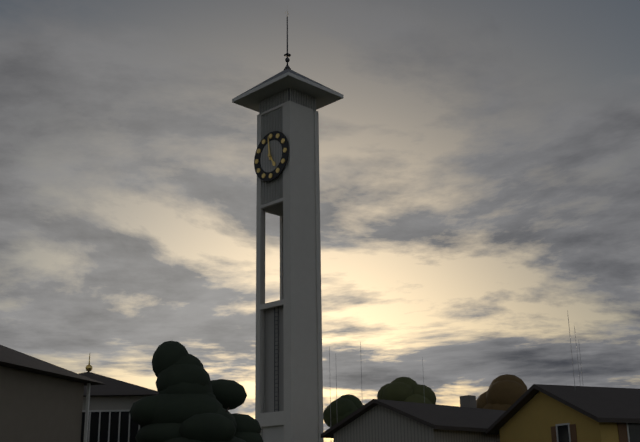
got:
**4:59**
